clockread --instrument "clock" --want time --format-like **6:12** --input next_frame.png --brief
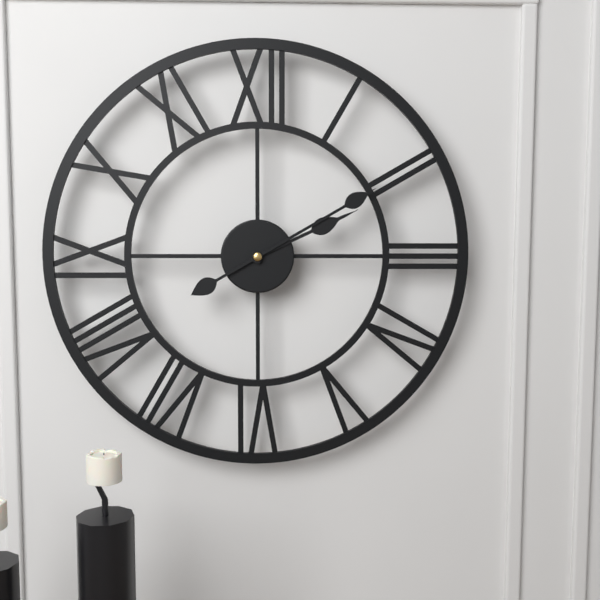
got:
**2:10**
